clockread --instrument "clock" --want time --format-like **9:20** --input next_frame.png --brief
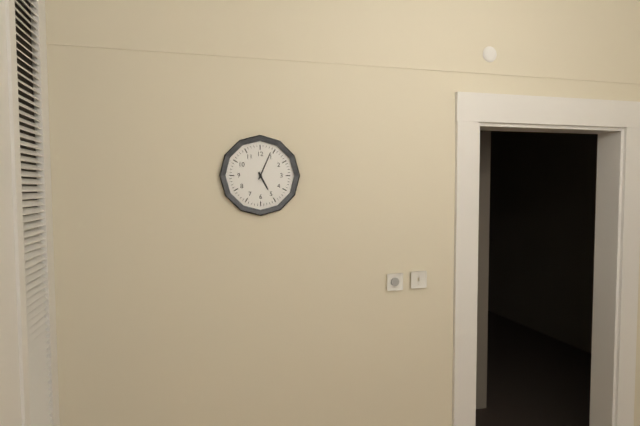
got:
**5:04**
